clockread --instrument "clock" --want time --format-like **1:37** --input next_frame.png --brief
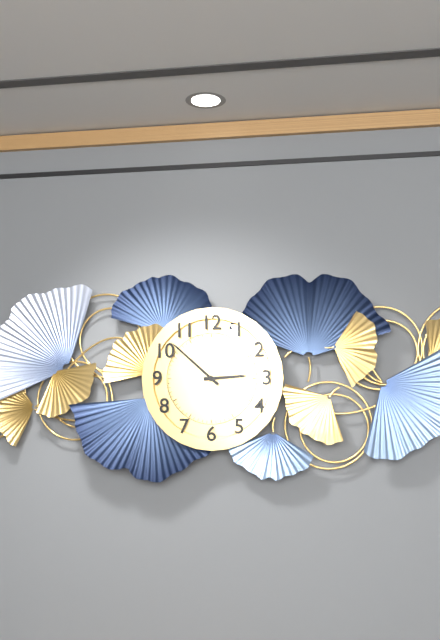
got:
**2:52**
